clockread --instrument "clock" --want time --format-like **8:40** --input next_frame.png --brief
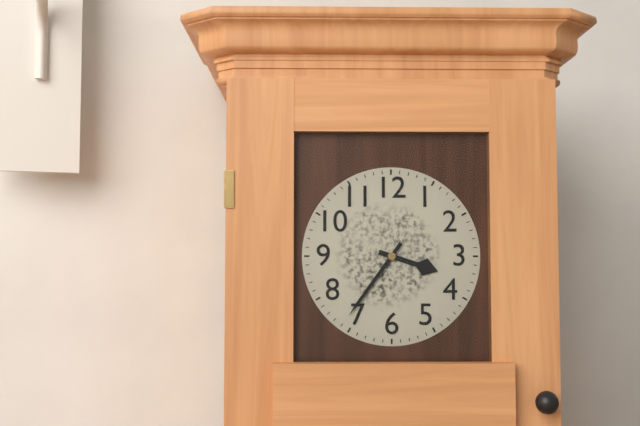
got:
**3:36**
